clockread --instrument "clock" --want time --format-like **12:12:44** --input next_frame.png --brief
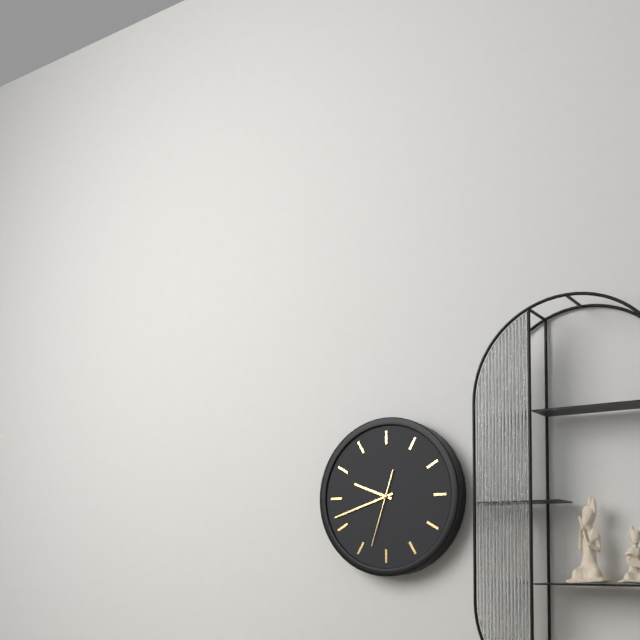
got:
**9:42:33**
